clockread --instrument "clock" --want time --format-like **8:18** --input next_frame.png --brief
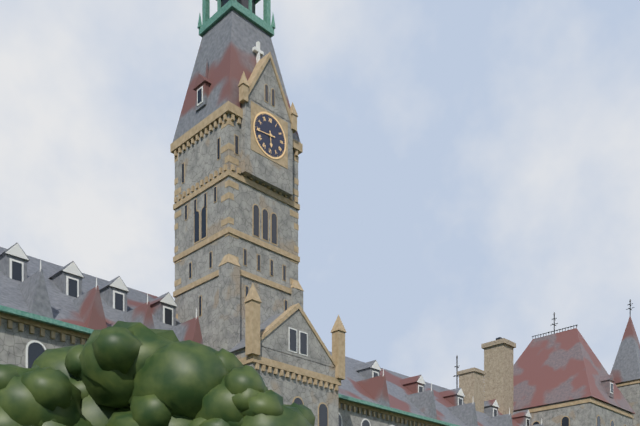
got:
**5:44**
